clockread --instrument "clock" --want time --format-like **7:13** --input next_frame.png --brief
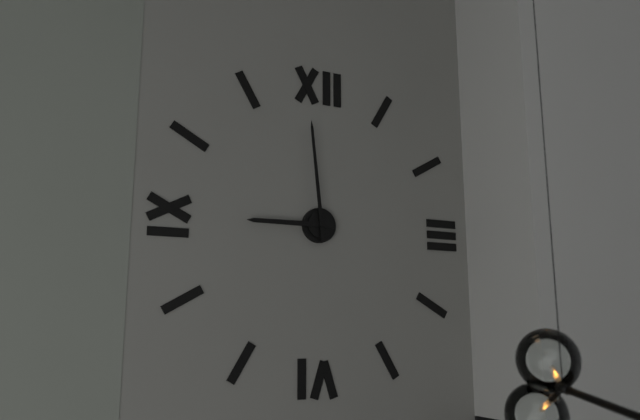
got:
**8:59**
